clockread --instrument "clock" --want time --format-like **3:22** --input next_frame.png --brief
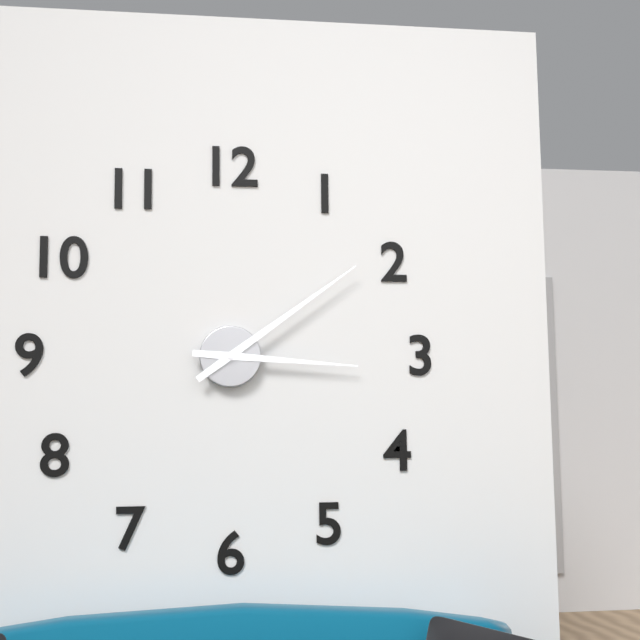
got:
**3:09**
